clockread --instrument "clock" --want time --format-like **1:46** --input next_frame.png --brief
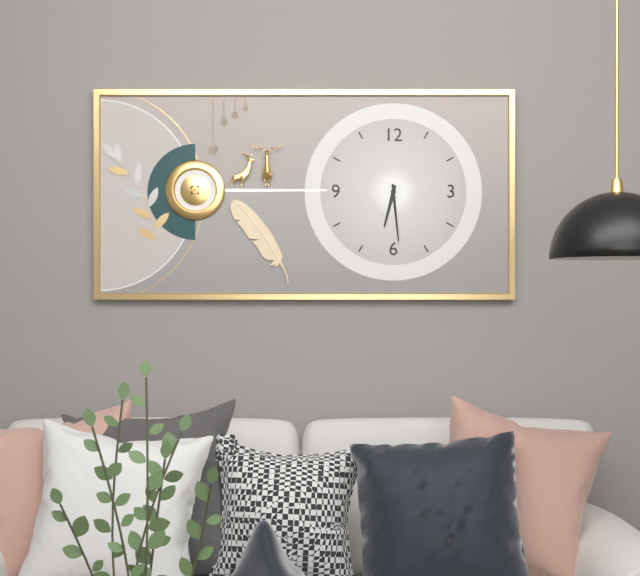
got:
**6:29**
